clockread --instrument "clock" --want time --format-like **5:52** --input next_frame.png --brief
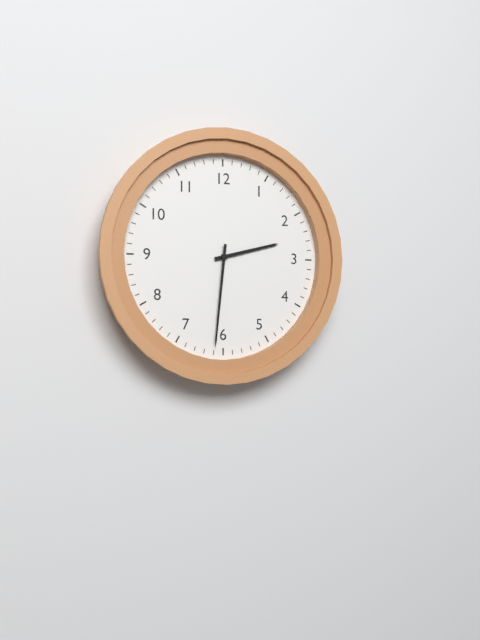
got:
**2:31**
